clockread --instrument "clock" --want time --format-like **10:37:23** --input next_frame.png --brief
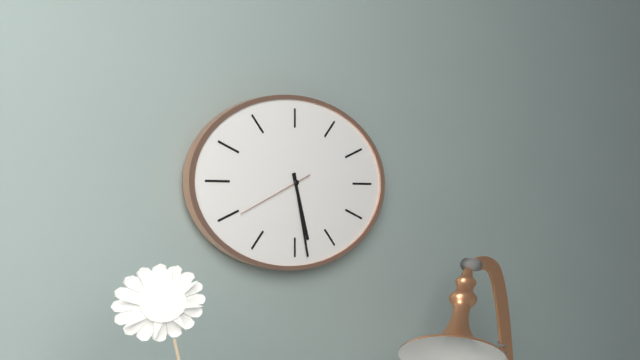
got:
**5:28:41**
